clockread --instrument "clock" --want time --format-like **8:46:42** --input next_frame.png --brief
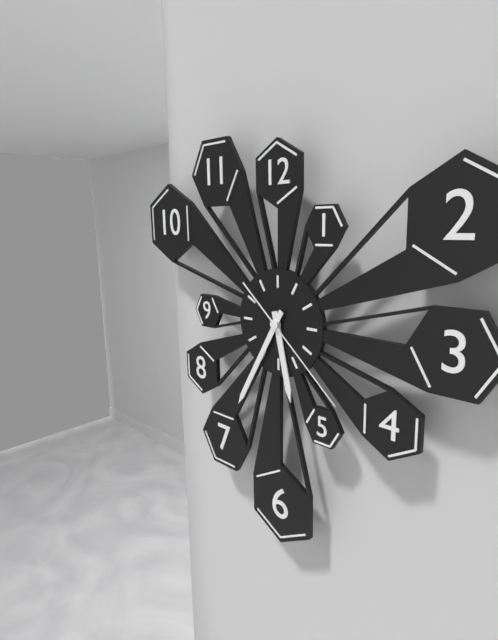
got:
**5:35:22**
